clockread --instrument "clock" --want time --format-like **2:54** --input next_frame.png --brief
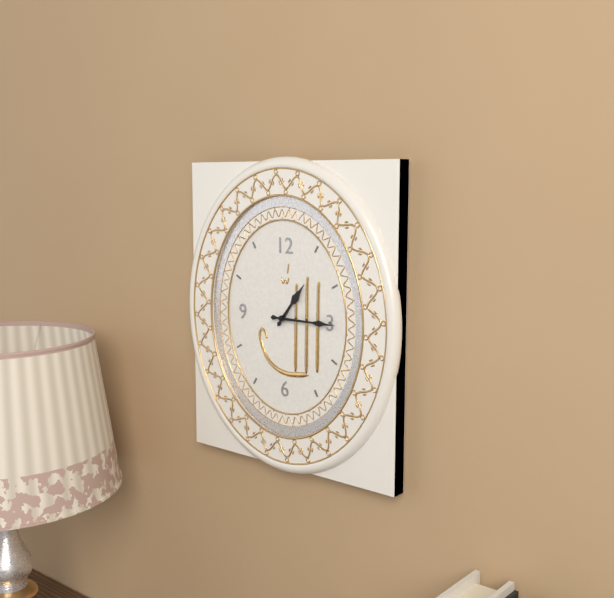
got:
**1:15**
